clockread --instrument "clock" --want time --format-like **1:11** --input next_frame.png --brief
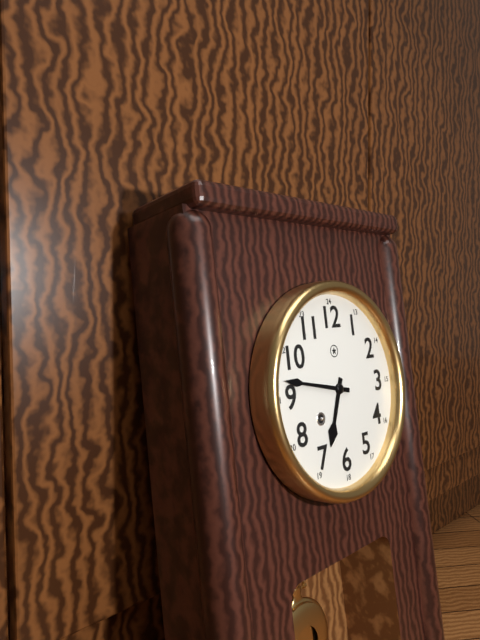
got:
**6:47**
